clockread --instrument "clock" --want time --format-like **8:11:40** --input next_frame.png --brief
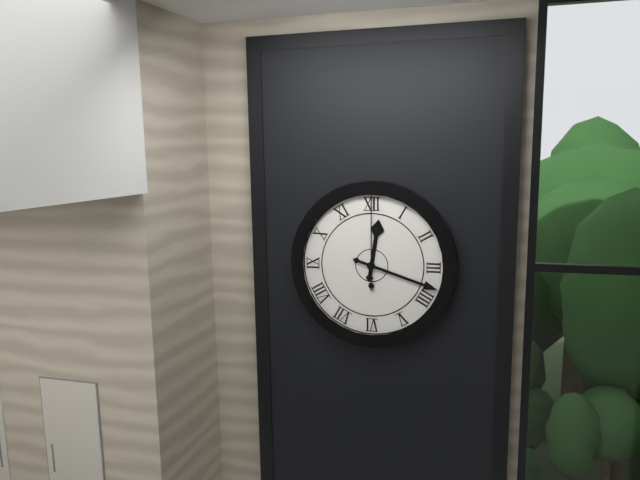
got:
**12:18:00**
